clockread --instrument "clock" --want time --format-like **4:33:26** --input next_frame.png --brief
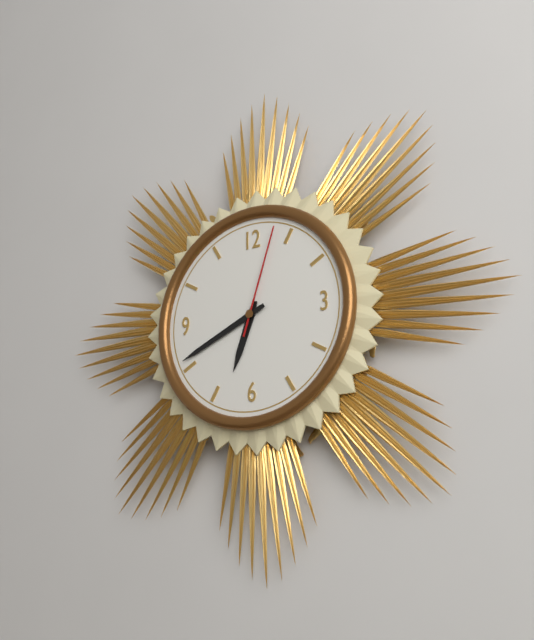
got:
**6:41:03**
